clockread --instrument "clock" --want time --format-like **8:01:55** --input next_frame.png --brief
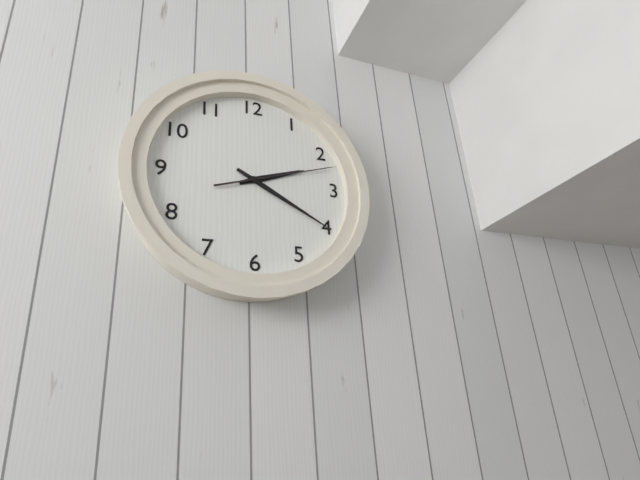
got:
**2:20:12**
